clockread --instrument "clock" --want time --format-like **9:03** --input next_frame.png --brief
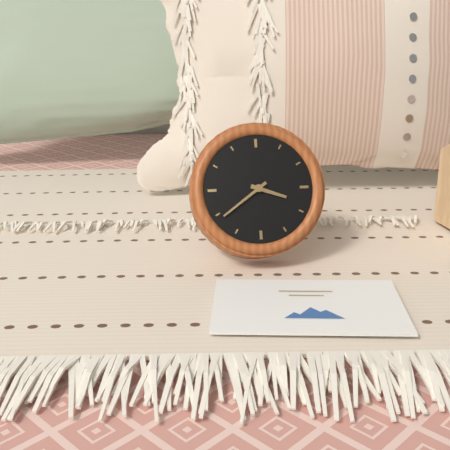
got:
**3:39**
